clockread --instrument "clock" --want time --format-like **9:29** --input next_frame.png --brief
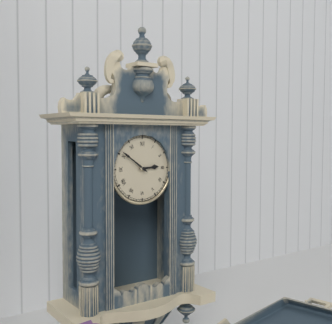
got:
**2:51**
